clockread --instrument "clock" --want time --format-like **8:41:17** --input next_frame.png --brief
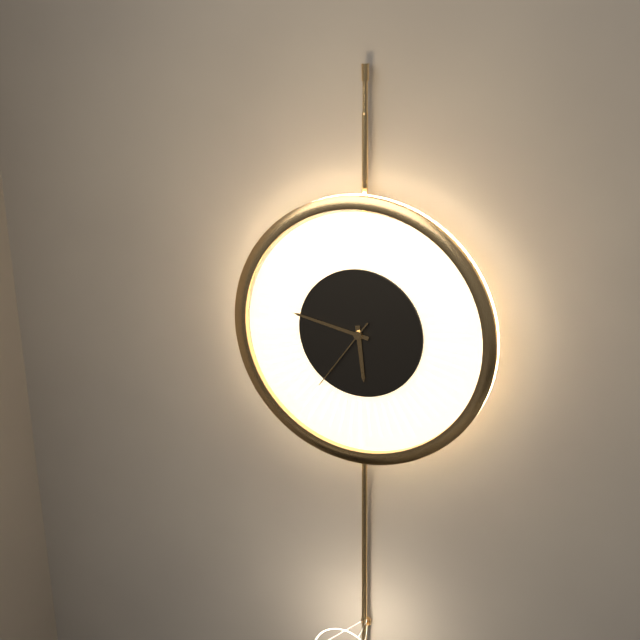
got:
**5:47:36**
